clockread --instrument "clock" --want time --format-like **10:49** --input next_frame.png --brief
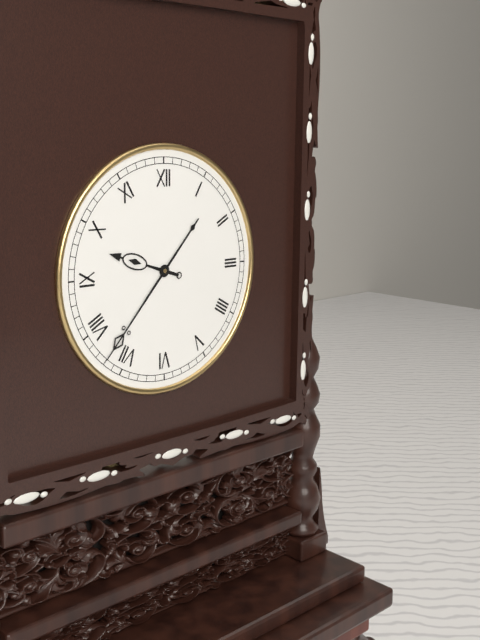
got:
**9:37**
